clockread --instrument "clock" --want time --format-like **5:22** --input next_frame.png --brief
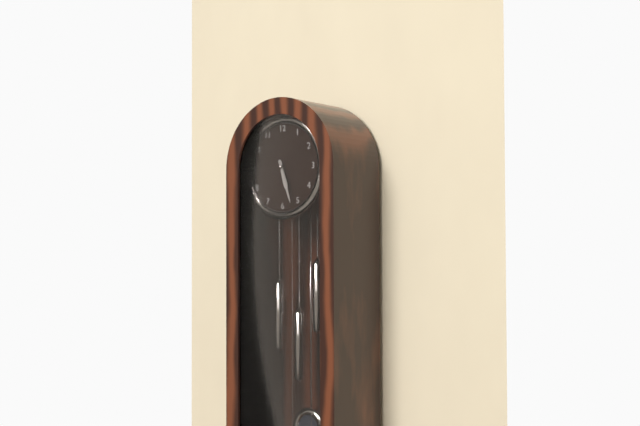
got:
**5:27**
